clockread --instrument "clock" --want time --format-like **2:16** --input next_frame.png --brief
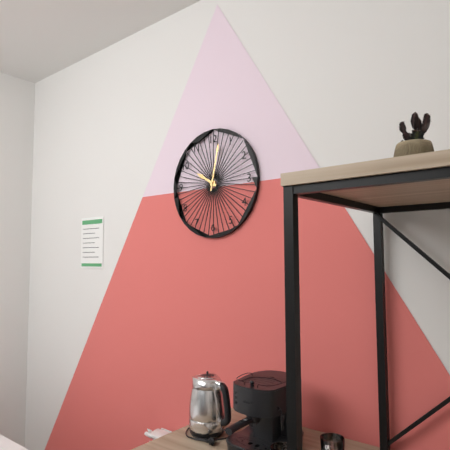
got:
**10:02**
